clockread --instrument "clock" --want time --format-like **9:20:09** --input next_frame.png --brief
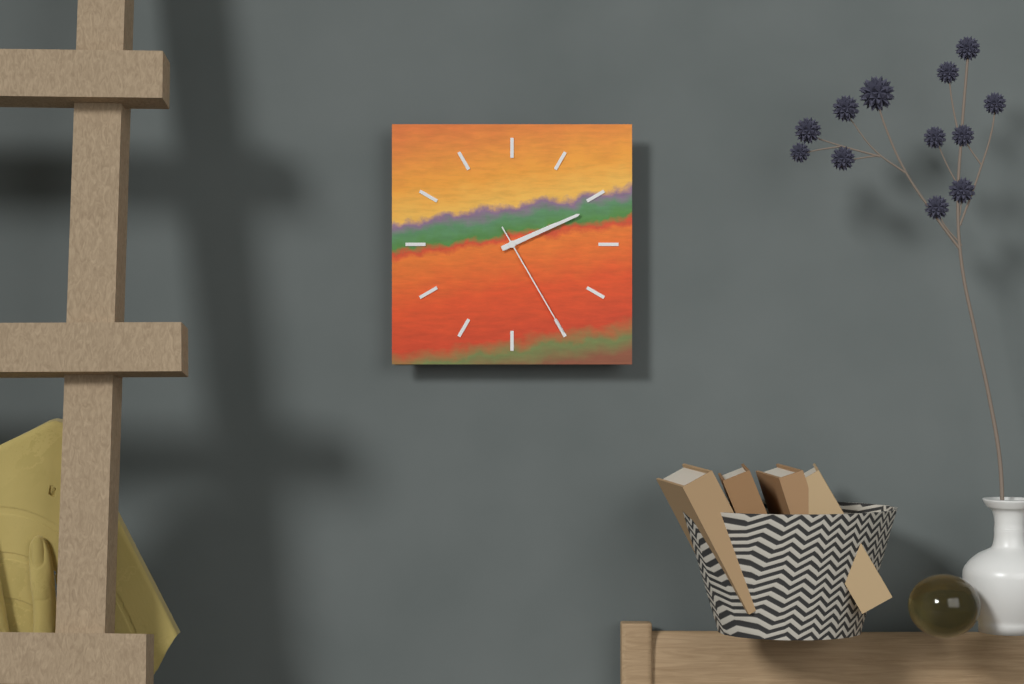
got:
**2:11:25**
